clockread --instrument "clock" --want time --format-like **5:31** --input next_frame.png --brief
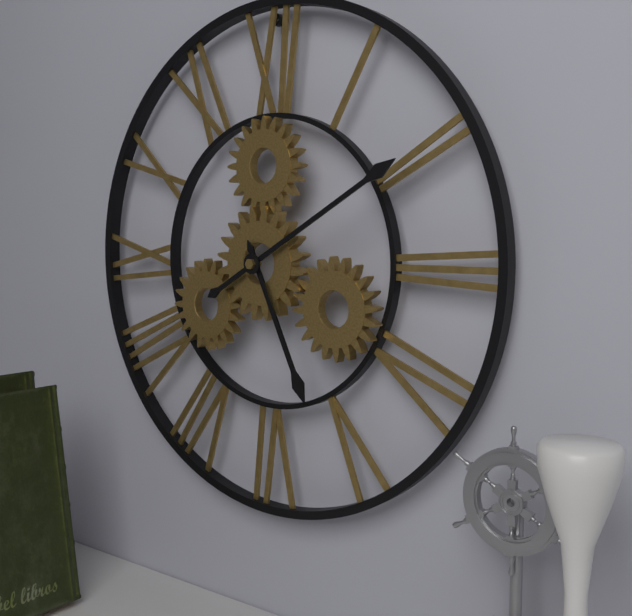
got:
**5:10**
